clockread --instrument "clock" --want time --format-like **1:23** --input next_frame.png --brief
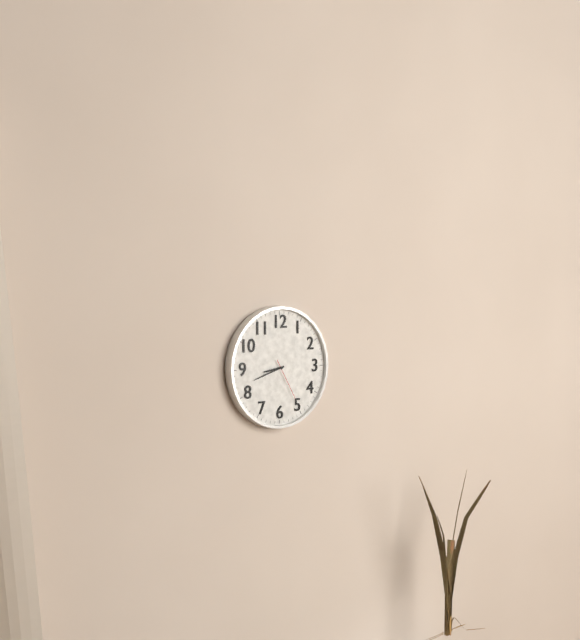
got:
**8:42**
